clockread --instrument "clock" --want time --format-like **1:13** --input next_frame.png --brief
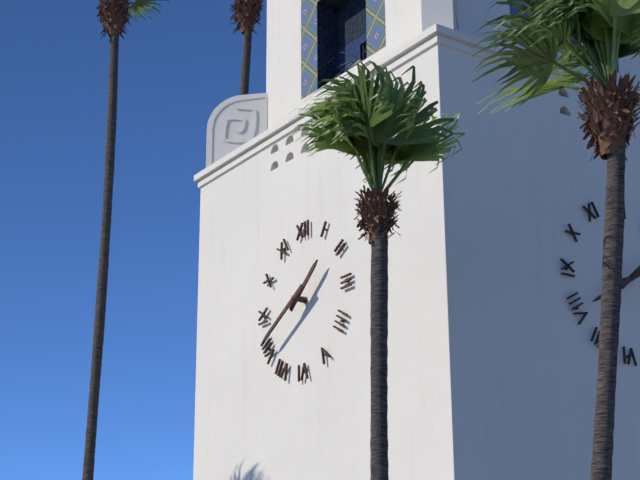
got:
**1:40**
